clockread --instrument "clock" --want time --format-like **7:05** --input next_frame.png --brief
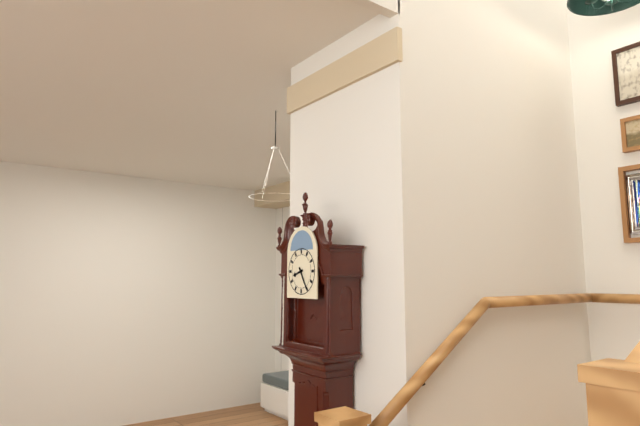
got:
**8:25**
